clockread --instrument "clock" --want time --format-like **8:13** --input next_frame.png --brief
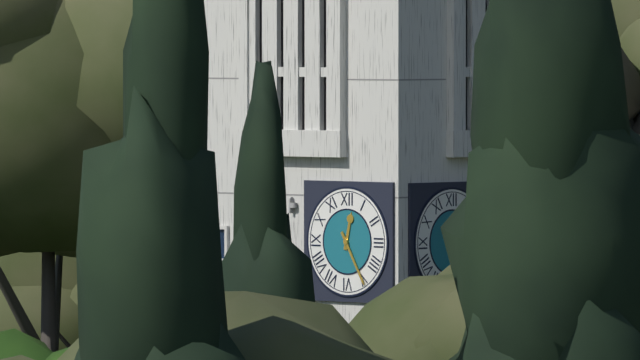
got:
**12:25**
